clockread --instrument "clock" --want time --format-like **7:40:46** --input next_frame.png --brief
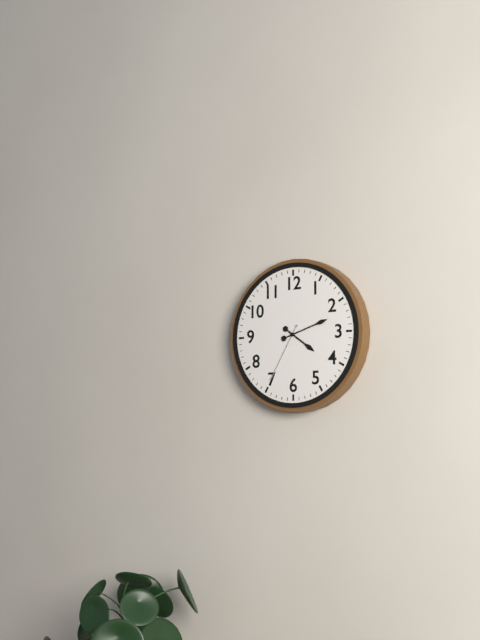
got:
**4:12:35**
